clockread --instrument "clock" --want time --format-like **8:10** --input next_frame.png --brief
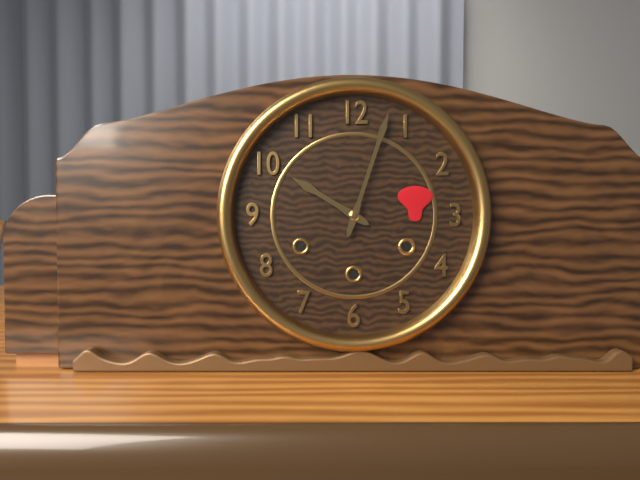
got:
**10:03**
